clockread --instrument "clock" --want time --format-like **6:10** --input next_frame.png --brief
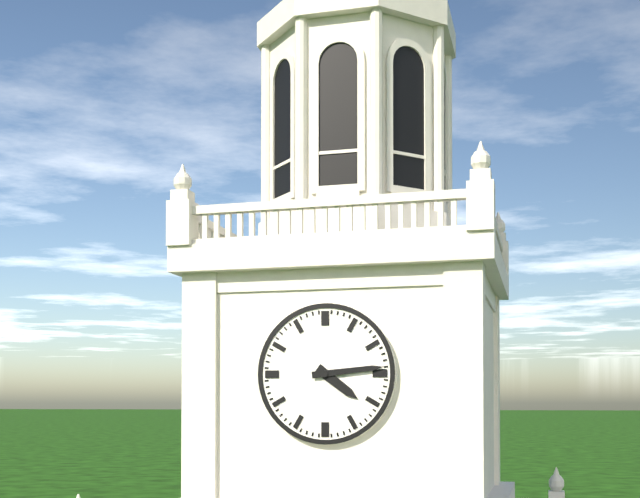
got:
**4:14**
